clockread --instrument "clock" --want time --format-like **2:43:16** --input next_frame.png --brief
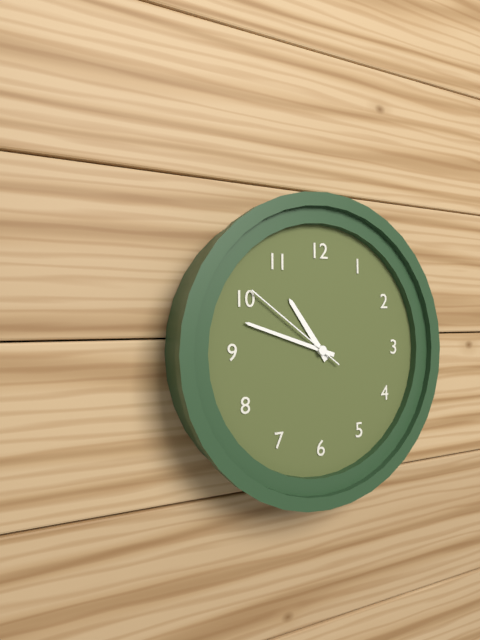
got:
**10:48:51**
